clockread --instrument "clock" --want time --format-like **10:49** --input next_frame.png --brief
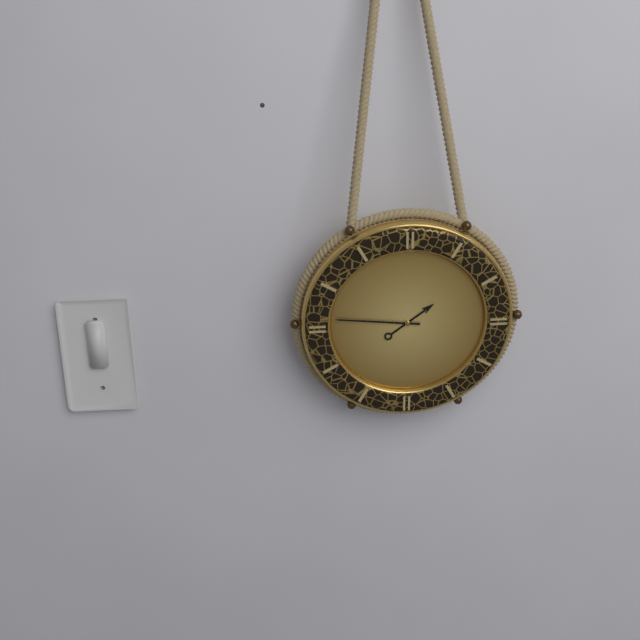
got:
**1:46**
